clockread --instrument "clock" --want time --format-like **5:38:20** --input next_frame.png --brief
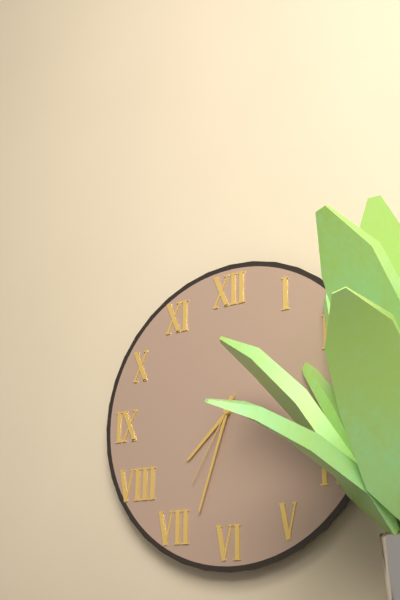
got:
**7:33:35**
